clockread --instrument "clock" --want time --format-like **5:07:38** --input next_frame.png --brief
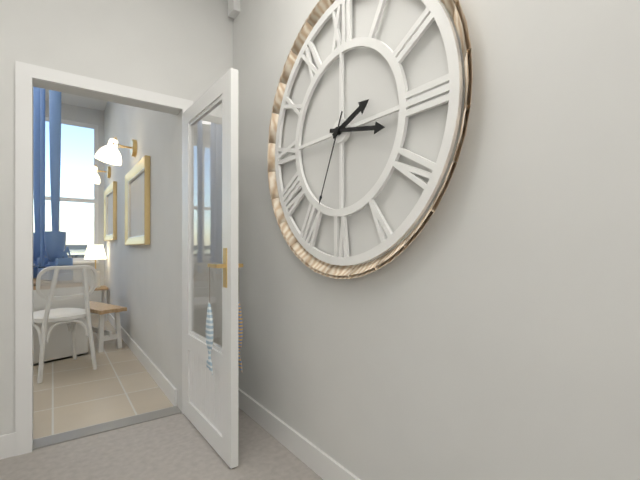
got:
**2:17:34**
